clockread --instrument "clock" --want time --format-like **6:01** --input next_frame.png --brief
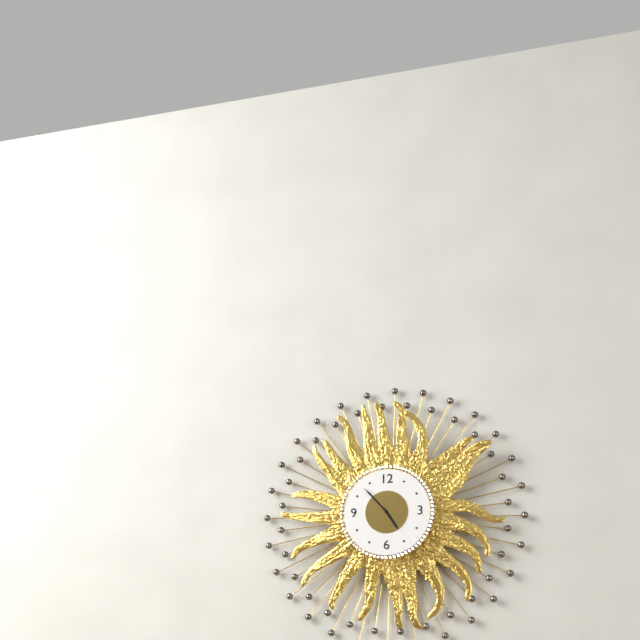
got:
**4:53**
